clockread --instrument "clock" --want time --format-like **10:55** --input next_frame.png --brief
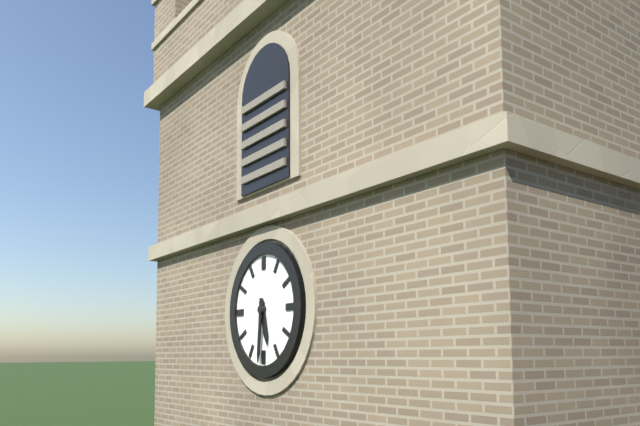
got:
**5:31**
